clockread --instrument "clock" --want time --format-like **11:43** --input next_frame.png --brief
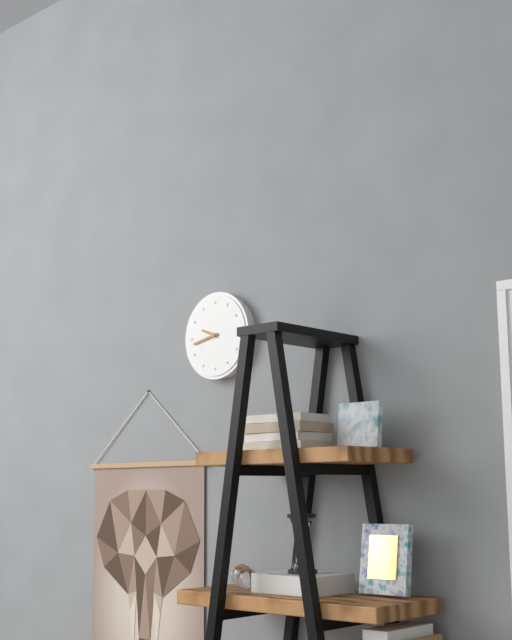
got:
**9:43**
